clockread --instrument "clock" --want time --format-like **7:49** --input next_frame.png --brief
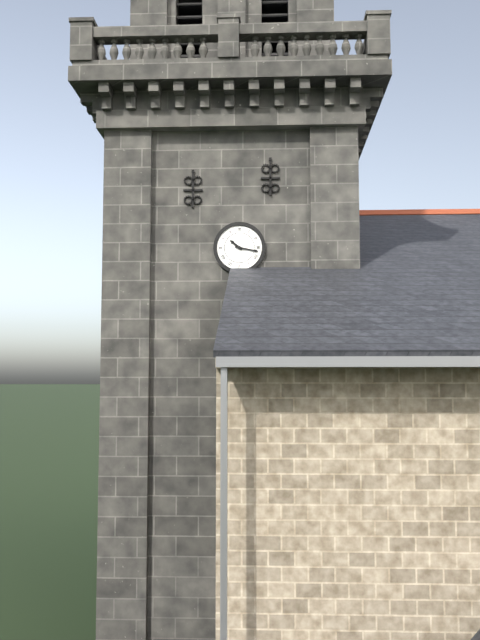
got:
**10:17**
